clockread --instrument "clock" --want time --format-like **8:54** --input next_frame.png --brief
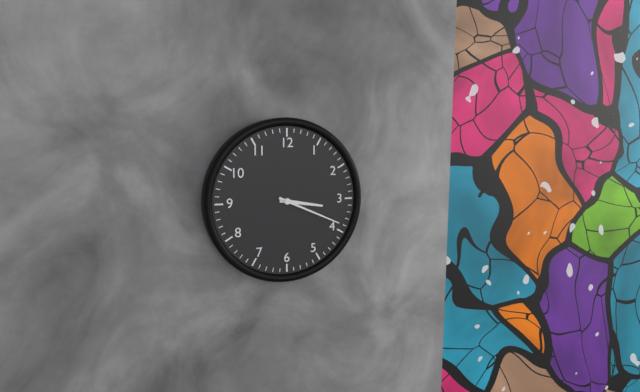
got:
**3:19**
